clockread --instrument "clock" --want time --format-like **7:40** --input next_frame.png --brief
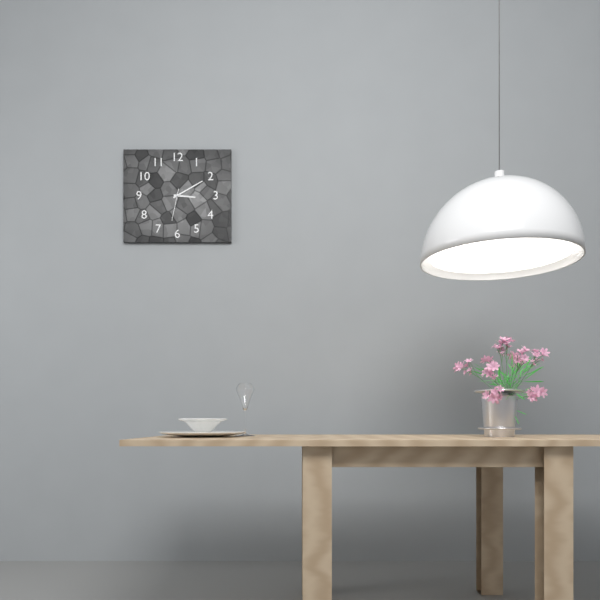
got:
**3:10**
